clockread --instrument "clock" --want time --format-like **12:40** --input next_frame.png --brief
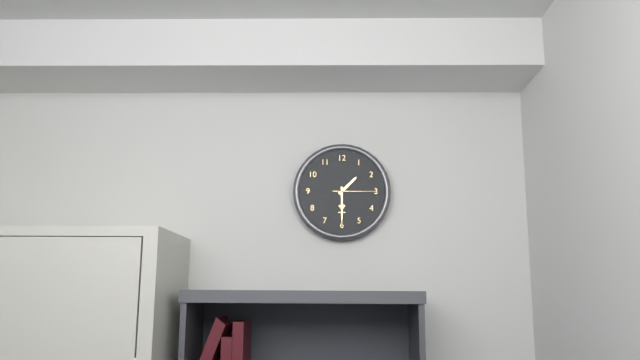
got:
**1:30**
